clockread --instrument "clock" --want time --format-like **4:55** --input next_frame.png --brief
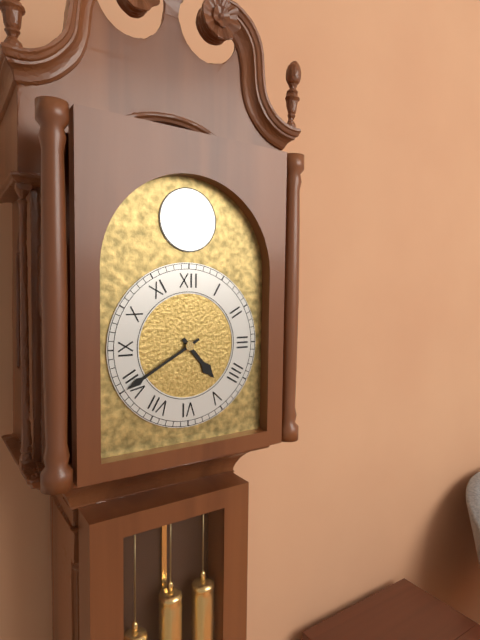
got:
**4:40**
